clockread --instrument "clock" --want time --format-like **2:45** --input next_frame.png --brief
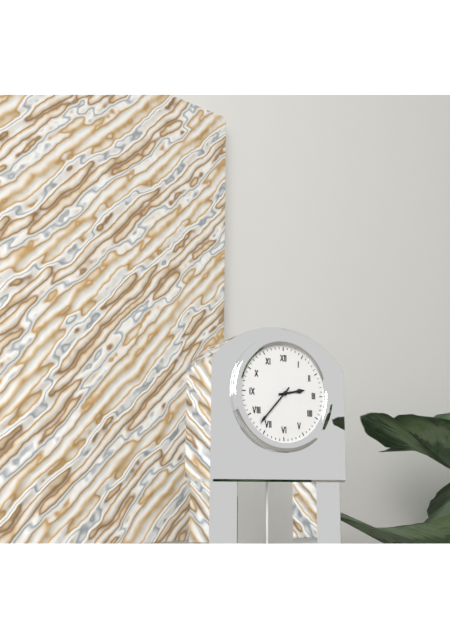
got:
**2:37**
